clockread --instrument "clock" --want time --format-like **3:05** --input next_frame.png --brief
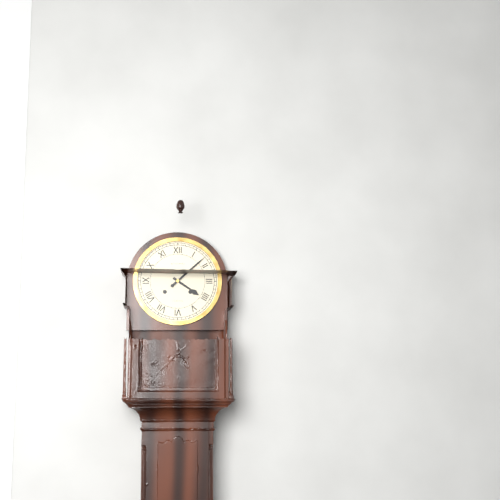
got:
**4:08**
